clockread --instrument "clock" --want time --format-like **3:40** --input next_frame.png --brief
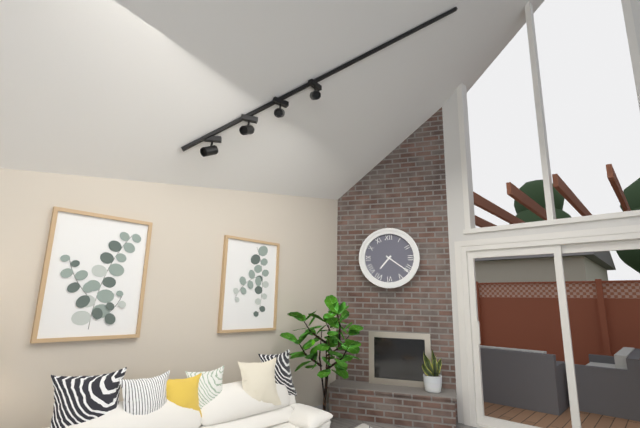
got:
**7:21**
